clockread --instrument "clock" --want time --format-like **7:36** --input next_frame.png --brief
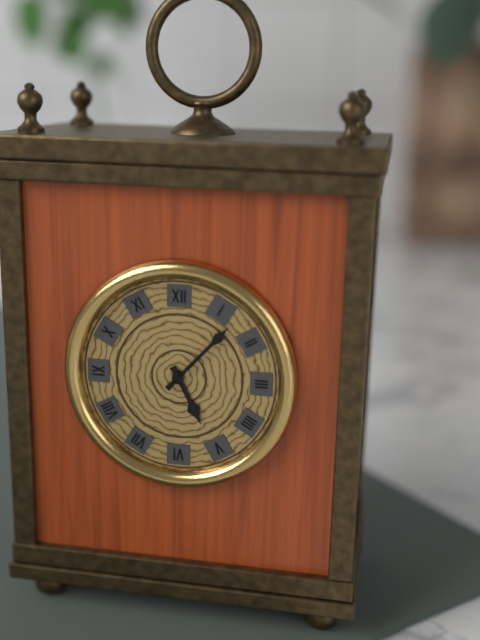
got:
**5:07**
